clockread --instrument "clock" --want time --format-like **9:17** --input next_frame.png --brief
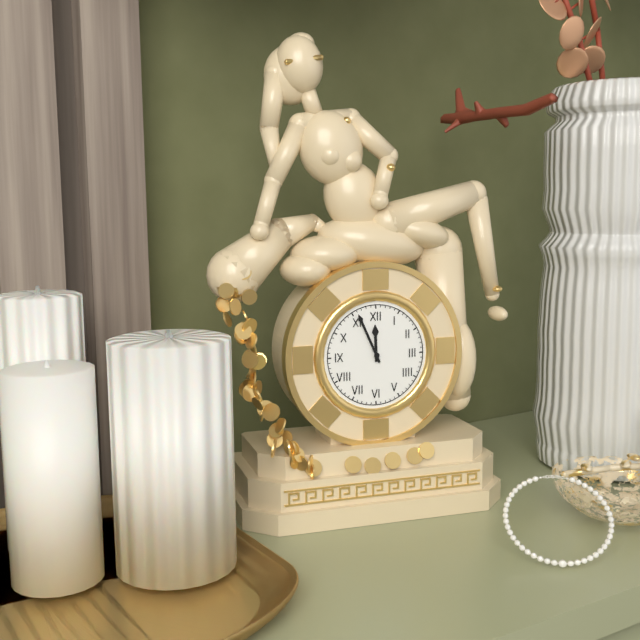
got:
**11:56**
